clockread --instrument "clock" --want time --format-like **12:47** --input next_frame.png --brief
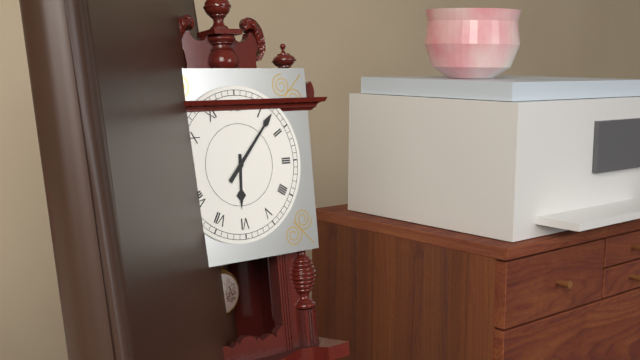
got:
**6:07**
